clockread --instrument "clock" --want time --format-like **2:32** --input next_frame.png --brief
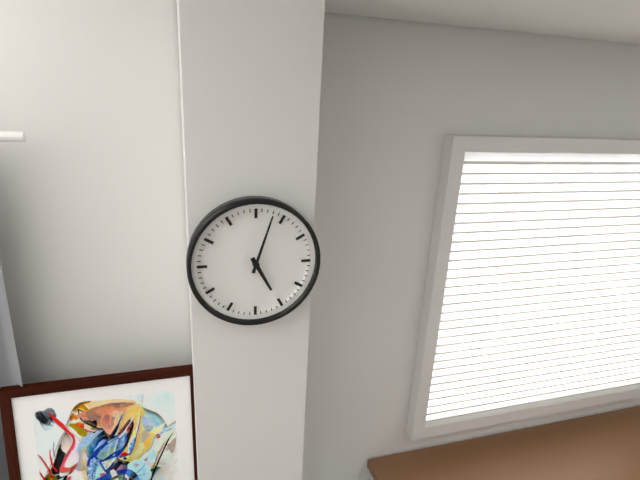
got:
**5:03**
